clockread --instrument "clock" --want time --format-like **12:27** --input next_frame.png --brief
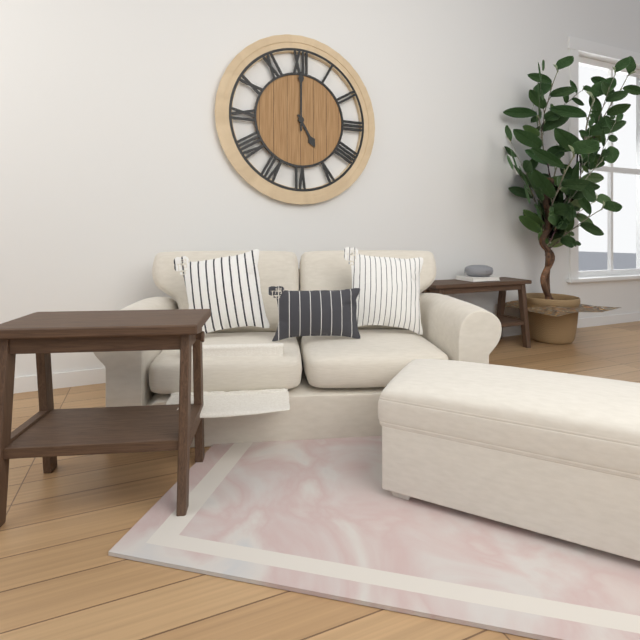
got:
**5:00**
